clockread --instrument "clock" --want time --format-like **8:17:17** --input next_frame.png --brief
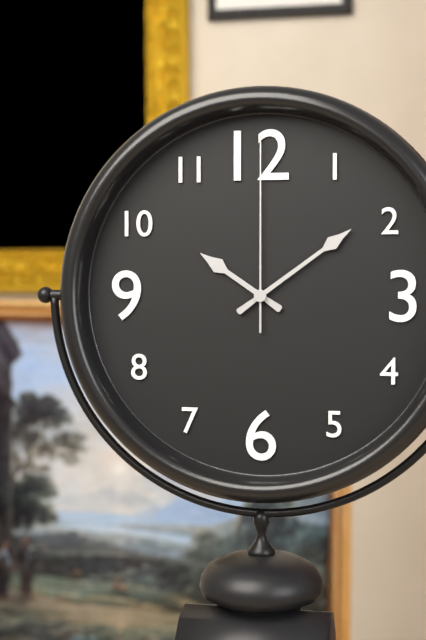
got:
**10:09:00**
